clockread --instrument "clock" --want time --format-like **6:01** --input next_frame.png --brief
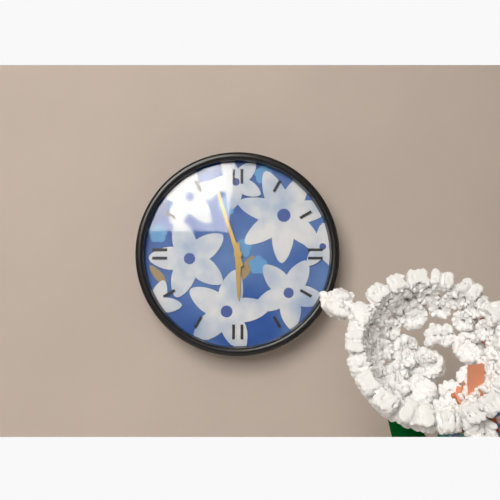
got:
**5:57**
